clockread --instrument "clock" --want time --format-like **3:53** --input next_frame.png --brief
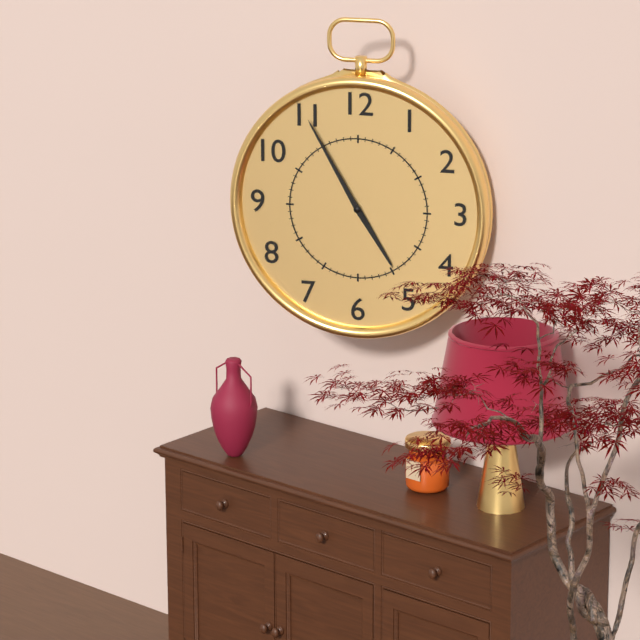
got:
**4:55**
